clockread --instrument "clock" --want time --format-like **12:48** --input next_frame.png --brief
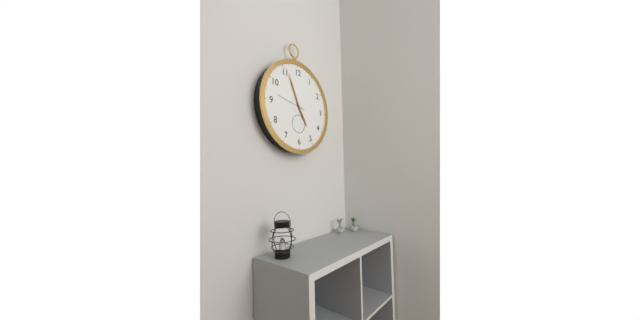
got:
**4:56**
